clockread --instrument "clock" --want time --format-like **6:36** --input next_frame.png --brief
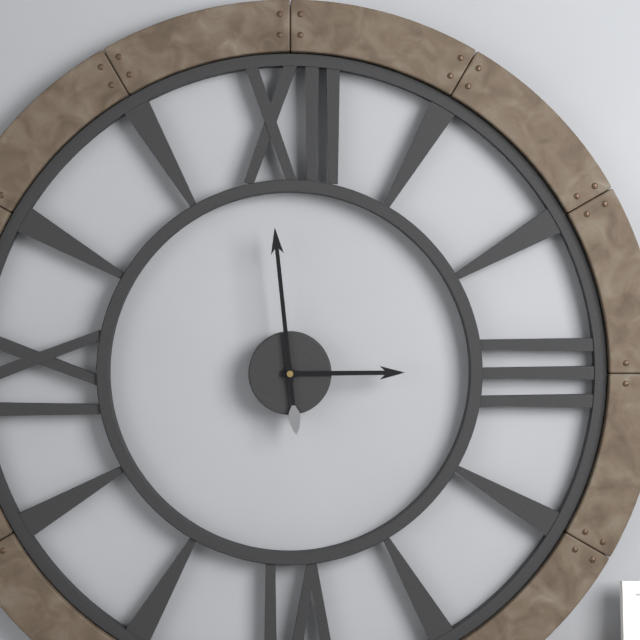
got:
**2:59**
